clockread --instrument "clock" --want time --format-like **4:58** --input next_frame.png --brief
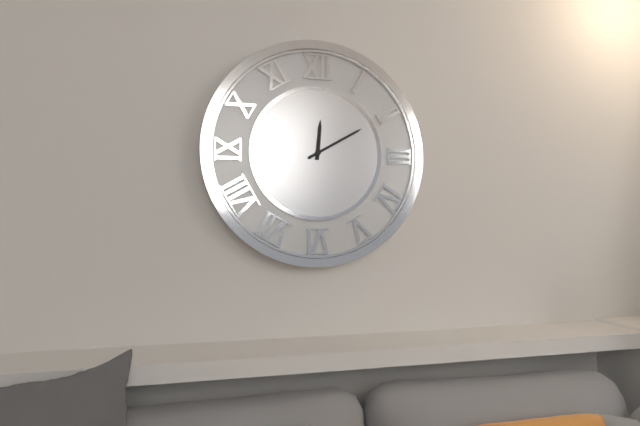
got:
**12:10**
